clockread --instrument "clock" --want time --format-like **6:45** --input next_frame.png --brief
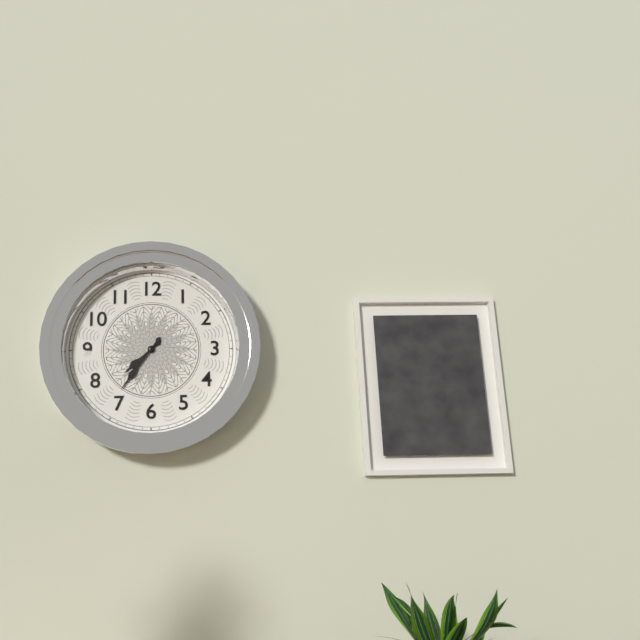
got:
**7:36**
